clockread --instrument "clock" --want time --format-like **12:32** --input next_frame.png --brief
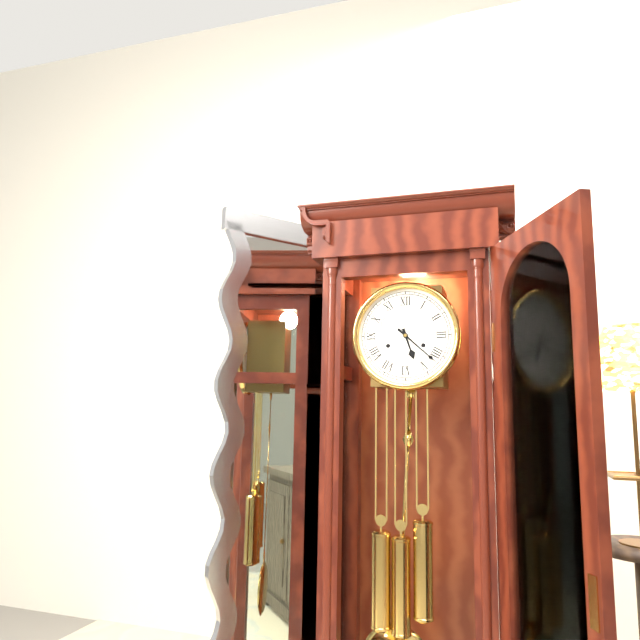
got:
**5:22**
